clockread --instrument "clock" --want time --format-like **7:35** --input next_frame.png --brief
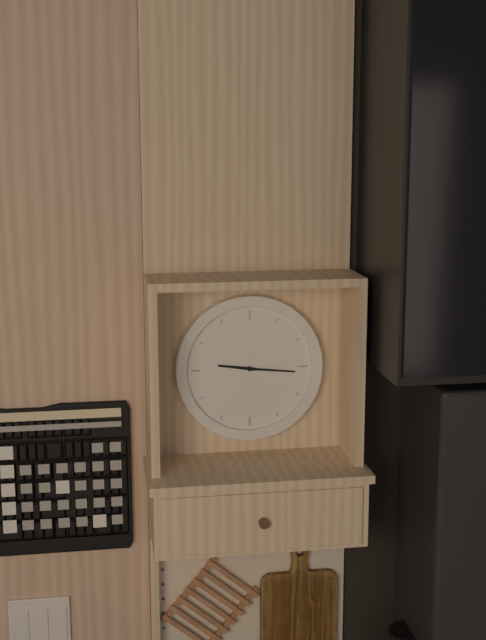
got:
**9:16**
